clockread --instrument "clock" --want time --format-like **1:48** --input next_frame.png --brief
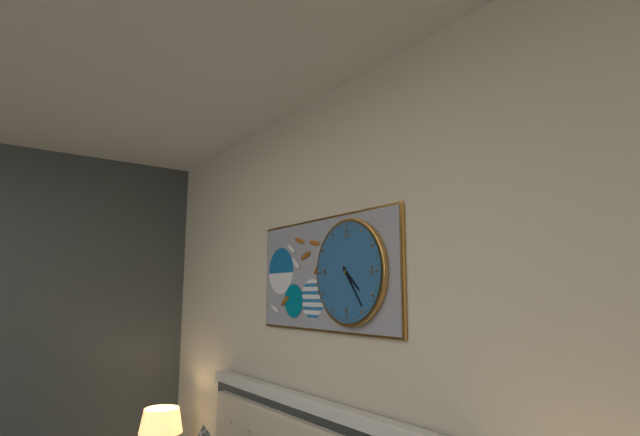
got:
**4:24**
